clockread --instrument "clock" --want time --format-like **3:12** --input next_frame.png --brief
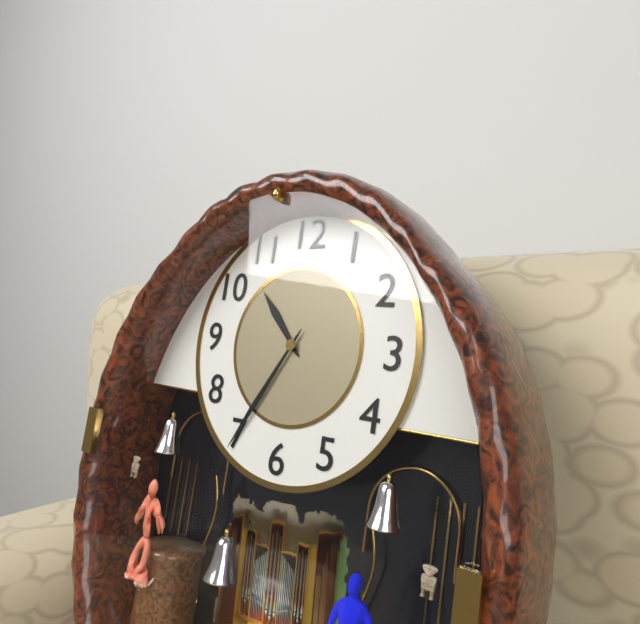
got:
**10:35**
